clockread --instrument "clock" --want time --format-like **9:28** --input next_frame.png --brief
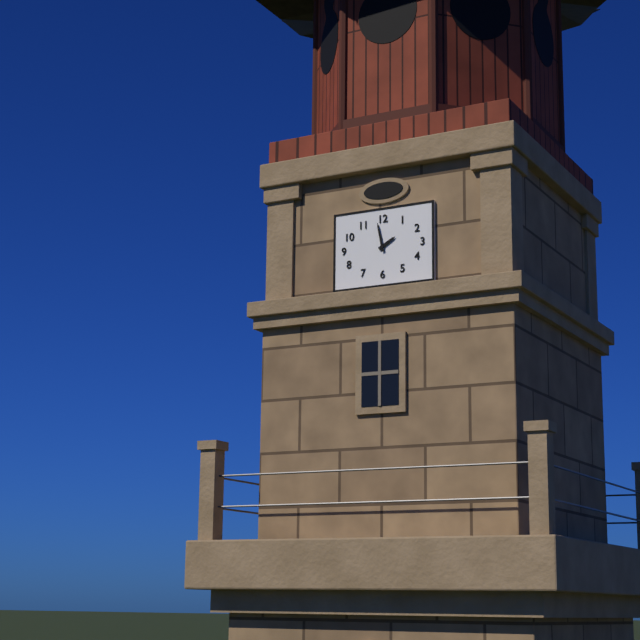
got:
**1:58**
